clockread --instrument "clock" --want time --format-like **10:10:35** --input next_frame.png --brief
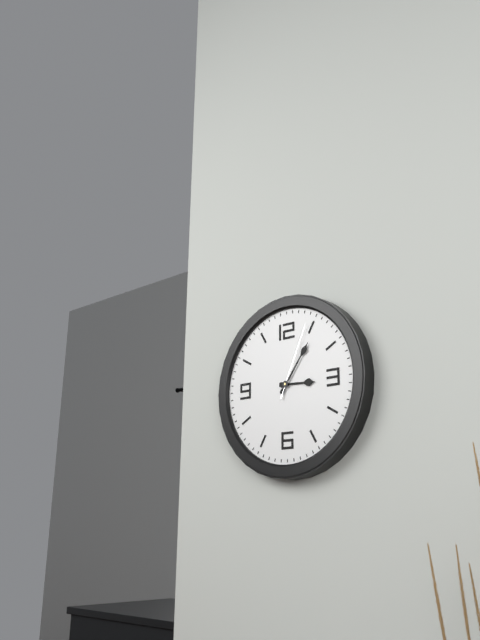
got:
**3:06:04**
